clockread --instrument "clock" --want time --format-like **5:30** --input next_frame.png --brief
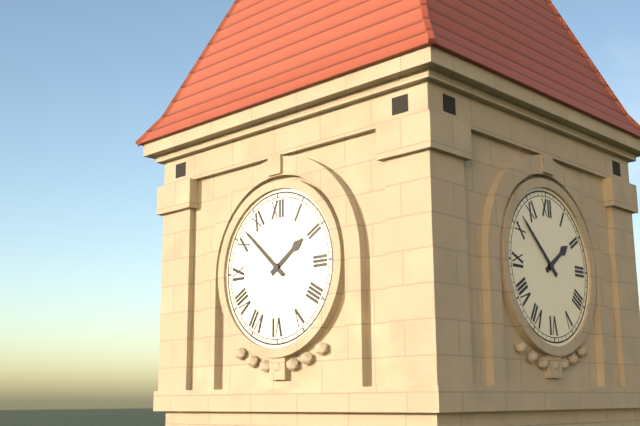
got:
**1:52**
